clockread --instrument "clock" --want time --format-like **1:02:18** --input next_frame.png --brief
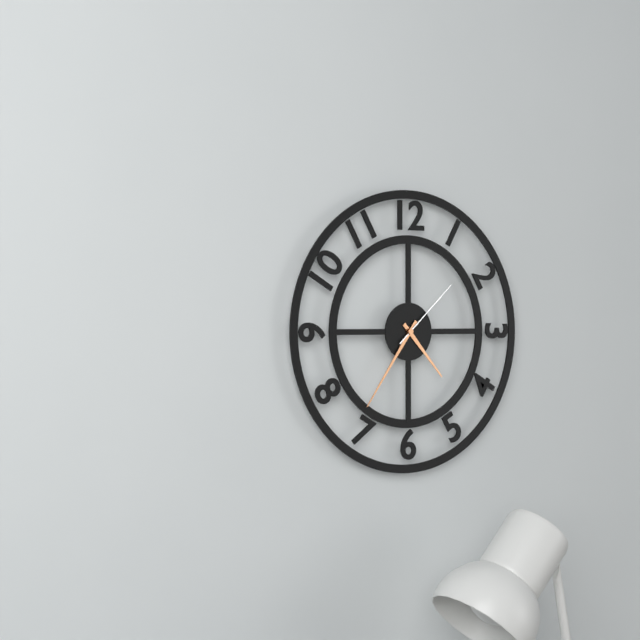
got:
**4:36:08**
